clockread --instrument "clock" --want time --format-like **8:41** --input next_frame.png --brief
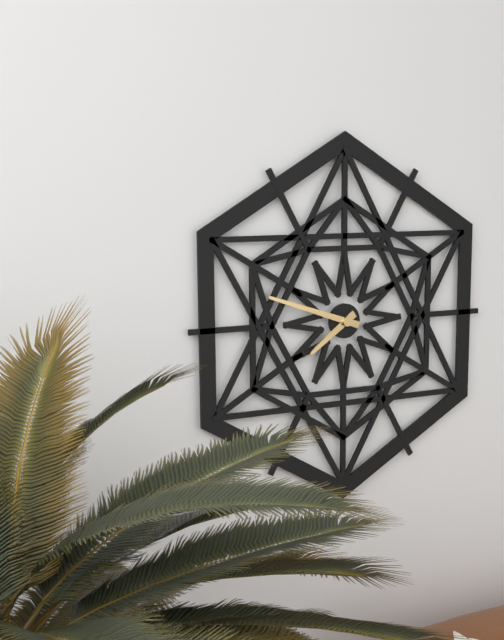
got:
**7:48**
